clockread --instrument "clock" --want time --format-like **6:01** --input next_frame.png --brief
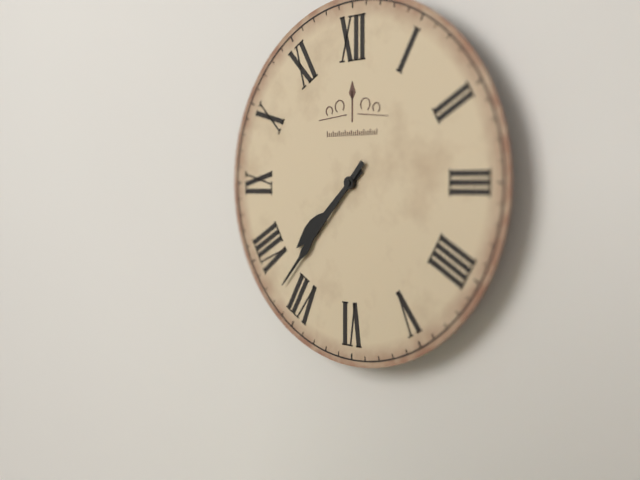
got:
**7:37**
